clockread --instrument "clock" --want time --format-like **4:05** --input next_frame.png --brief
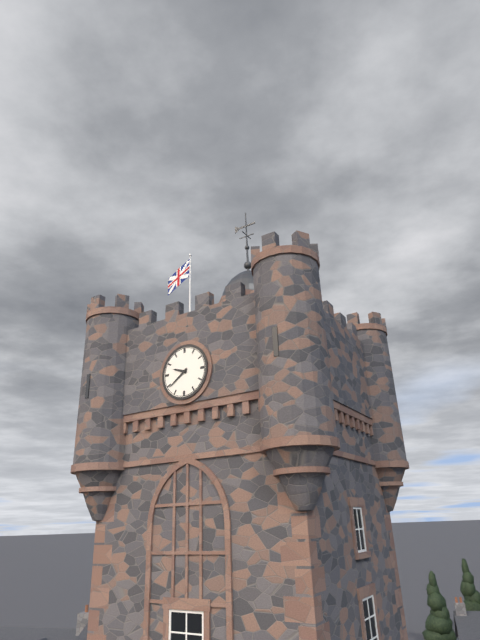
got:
**9:39**
